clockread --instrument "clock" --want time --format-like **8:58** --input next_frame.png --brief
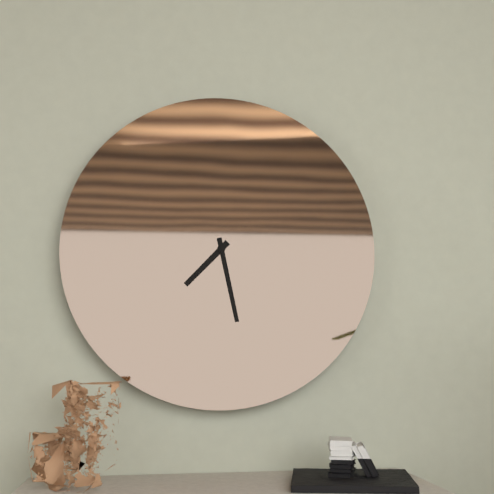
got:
**7:28**
